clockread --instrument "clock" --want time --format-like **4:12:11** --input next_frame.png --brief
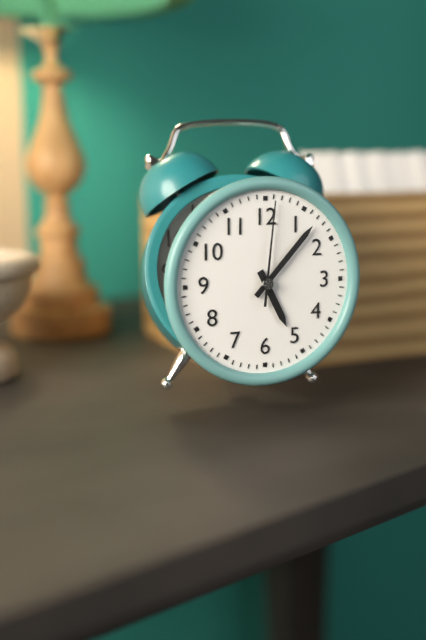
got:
**5:07:01**
